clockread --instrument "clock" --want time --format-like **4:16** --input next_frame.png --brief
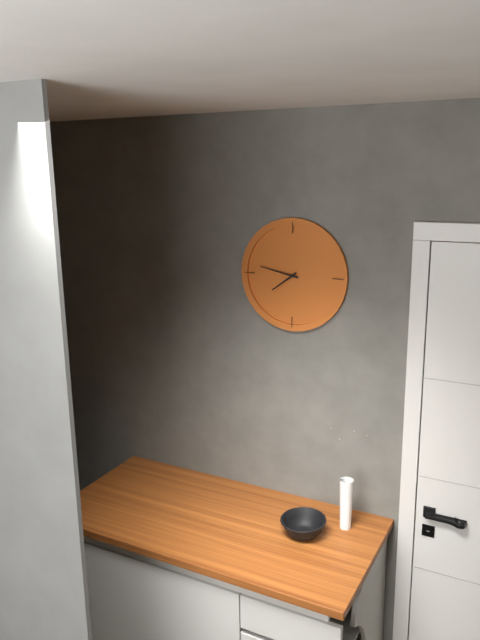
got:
**7:47**
